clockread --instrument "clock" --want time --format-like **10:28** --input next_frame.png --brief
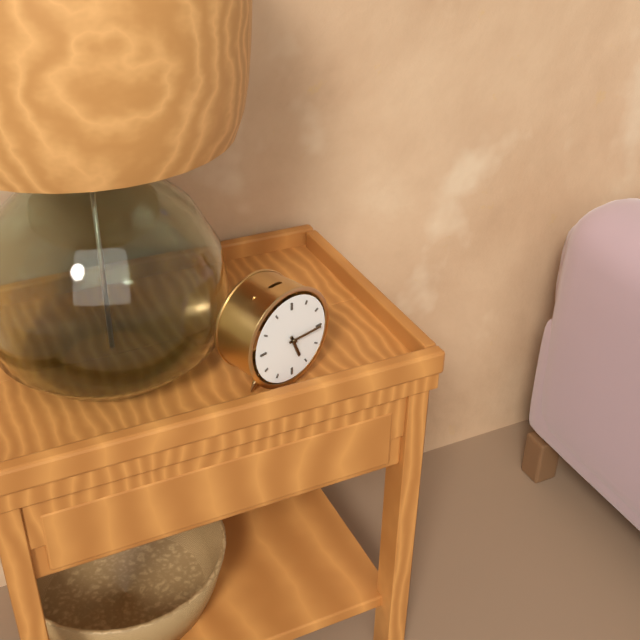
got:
**5:15**
